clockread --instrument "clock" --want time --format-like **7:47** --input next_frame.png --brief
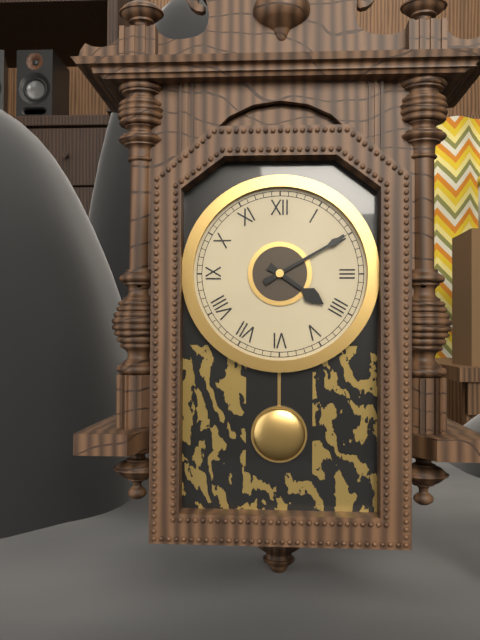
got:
**4:10**
